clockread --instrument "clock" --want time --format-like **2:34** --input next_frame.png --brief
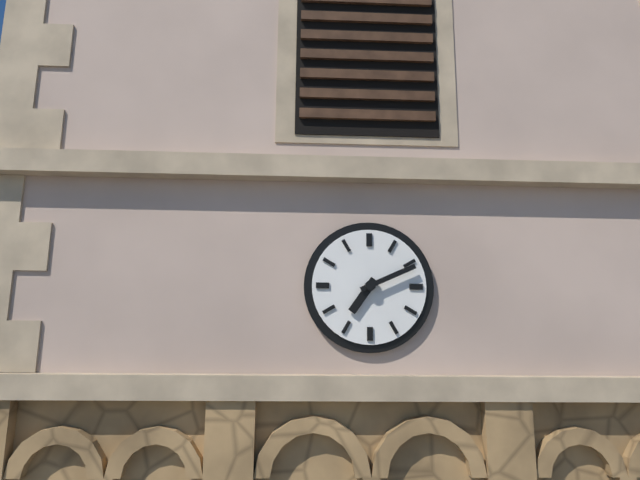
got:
**7:11**
